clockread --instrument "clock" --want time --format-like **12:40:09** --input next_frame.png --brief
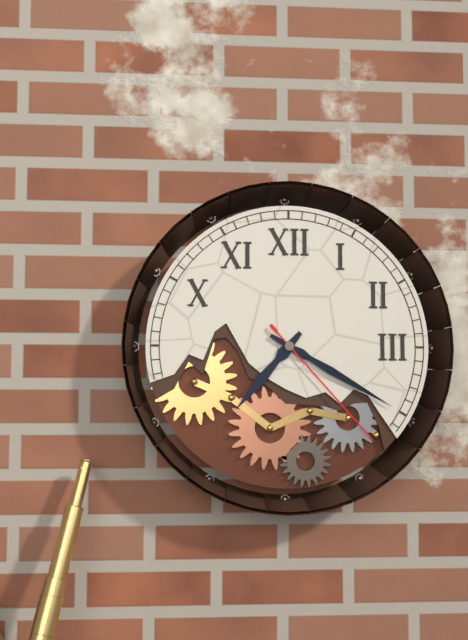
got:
**7:20:23**
